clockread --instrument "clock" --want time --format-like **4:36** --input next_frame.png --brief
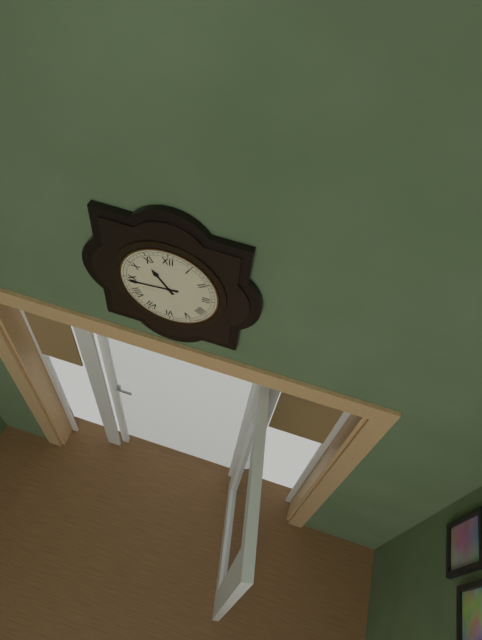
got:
**10:44**
